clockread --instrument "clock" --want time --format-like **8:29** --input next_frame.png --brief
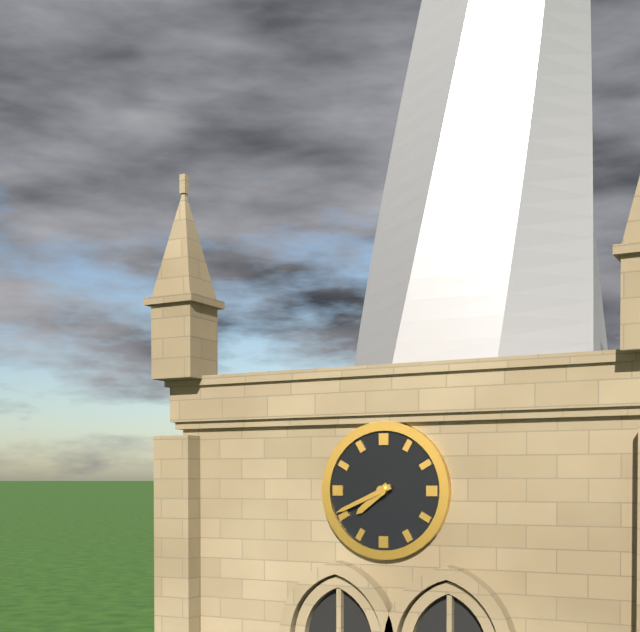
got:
**7:41**
